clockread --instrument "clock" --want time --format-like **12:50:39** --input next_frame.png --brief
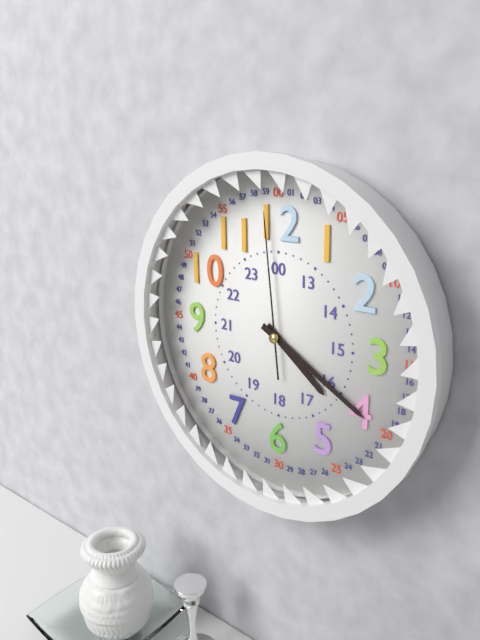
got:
**4:20:59**
